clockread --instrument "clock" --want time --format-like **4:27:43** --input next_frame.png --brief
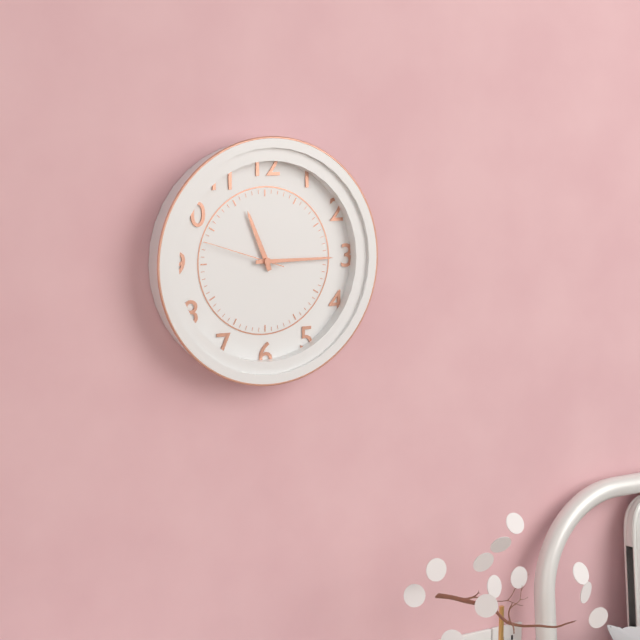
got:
**11:15:48**
